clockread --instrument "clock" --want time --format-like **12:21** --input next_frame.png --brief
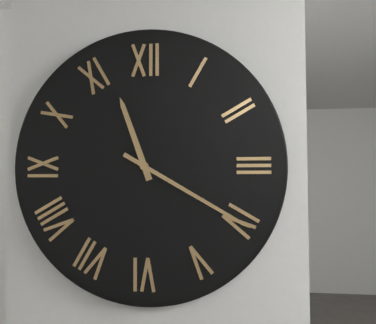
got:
**11:20**
